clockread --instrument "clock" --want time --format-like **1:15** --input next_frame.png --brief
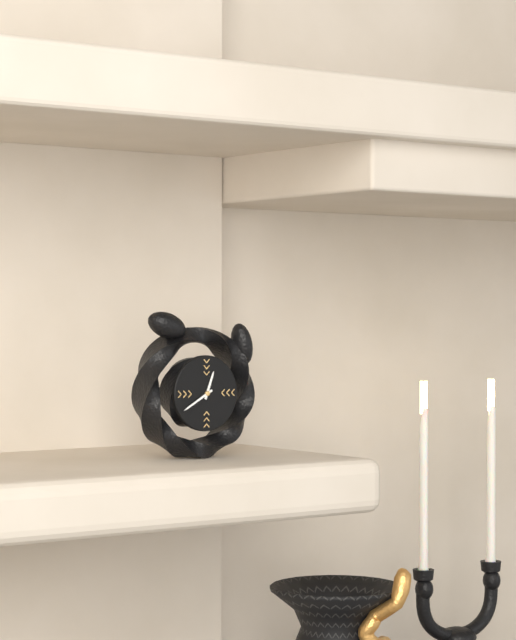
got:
**12:40**
